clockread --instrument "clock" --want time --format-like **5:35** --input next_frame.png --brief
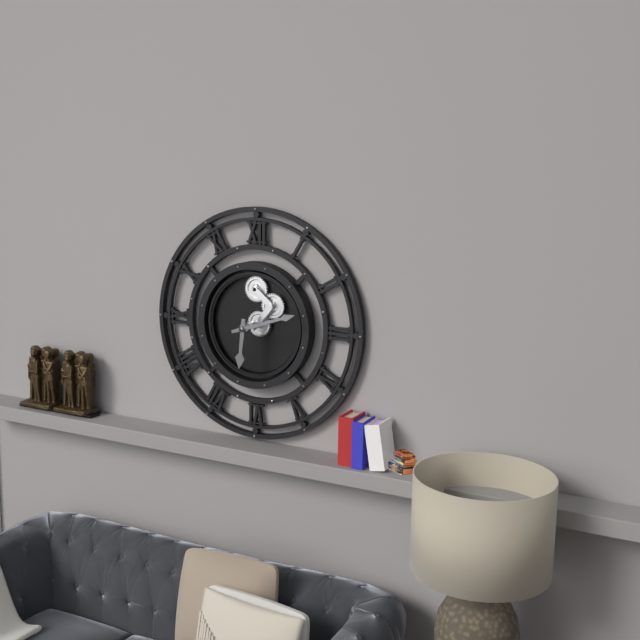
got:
**6:12**
